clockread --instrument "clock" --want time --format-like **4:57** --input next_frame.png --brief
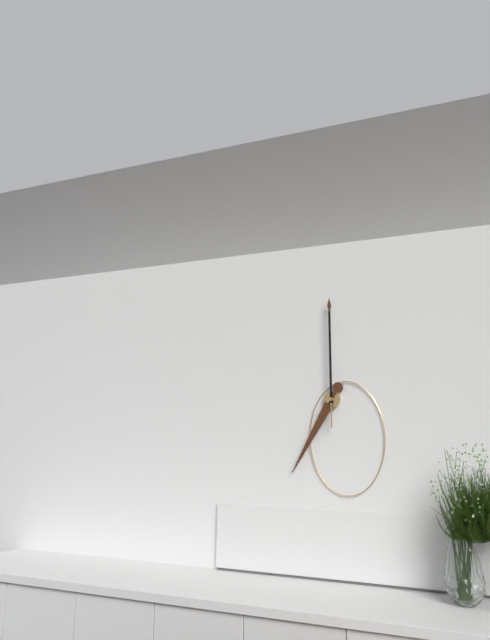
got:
**7:00**
